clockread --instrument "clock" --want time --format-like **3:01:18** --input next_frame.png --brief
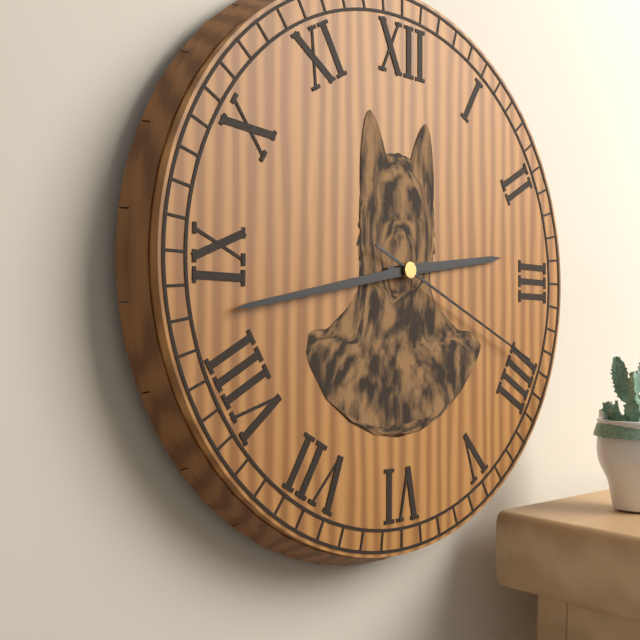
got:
**2:43:19**
